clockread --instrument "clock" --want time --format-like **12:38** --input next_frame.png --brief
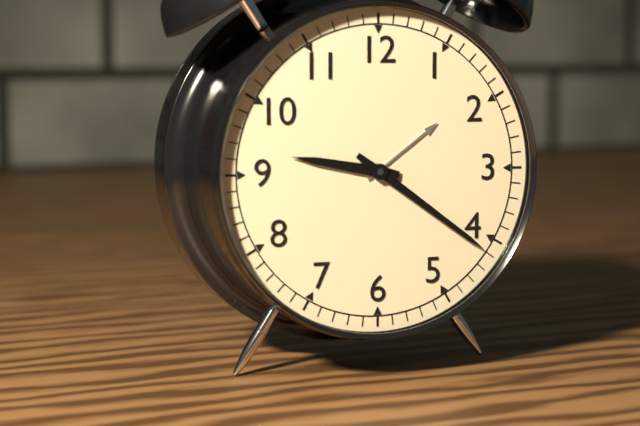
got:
**9:21**
